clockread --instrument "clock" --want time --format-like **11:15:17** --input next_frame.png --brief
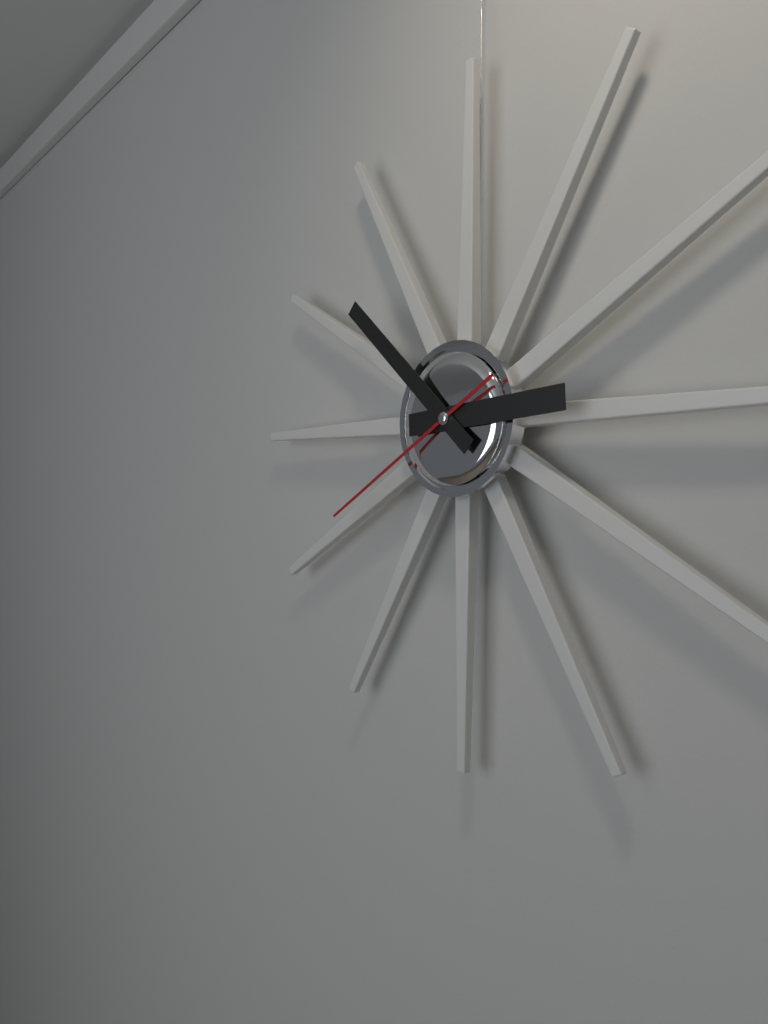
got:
**2:52:40**
